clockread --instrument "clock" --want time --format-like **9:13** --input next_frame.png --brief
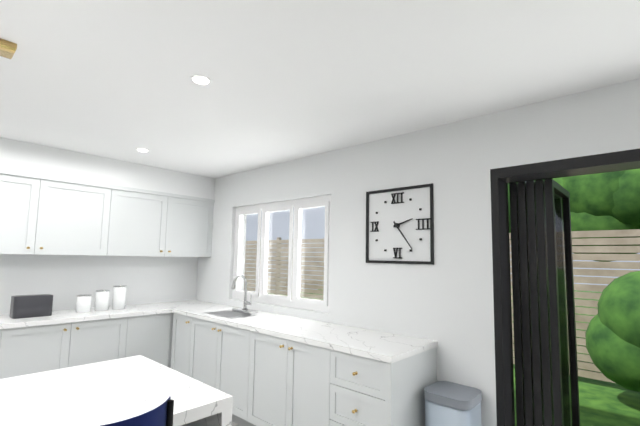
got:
**2:24**
